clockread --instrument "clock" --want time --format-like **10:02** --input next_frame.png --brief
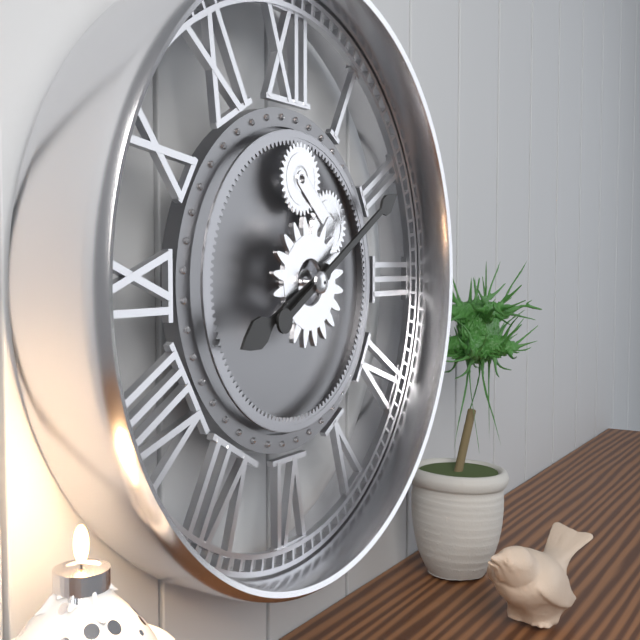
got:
**8:10**
